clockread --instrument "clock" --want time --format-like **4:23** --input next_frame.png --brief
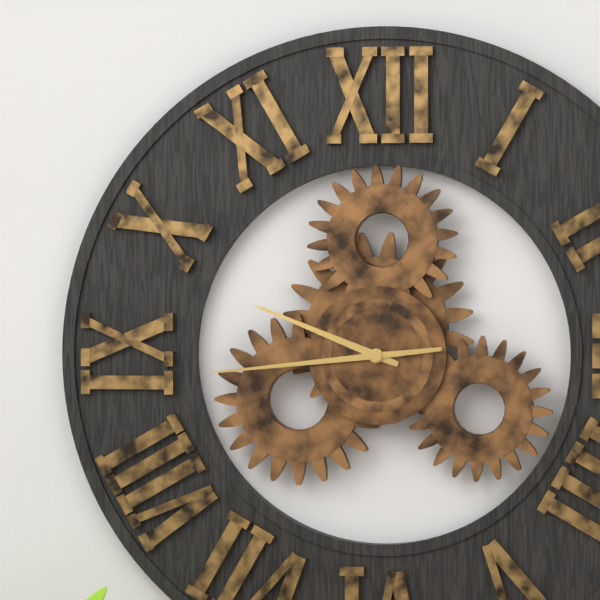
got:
**9:44**
